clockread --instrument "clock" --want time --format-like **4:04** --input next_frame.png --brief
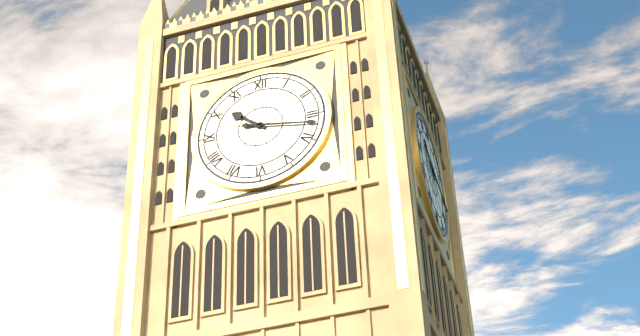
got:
**10:17**
